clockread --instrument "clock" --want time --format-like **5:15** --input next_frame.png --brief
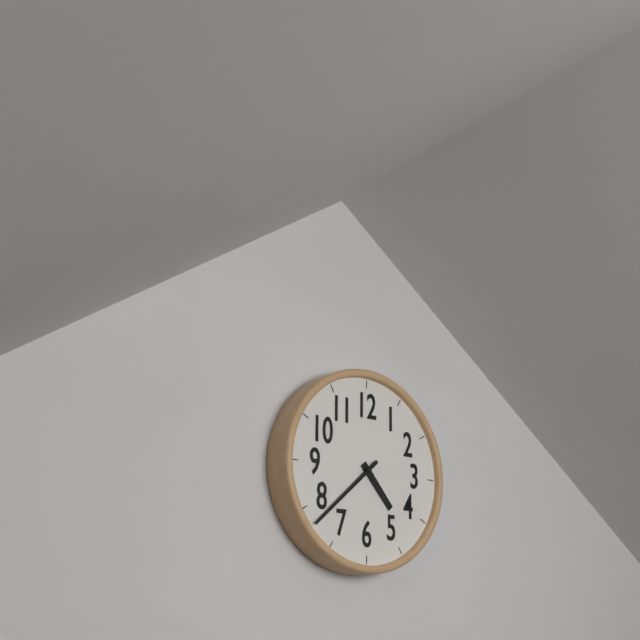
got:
**4:38**
